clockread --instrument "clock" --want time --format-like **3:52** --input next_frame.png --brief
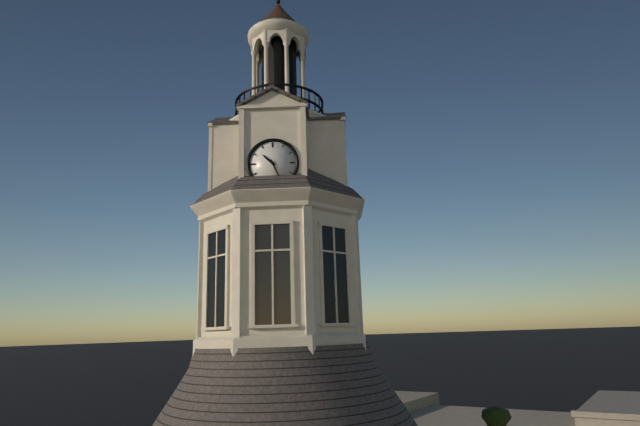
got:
**10:26**
